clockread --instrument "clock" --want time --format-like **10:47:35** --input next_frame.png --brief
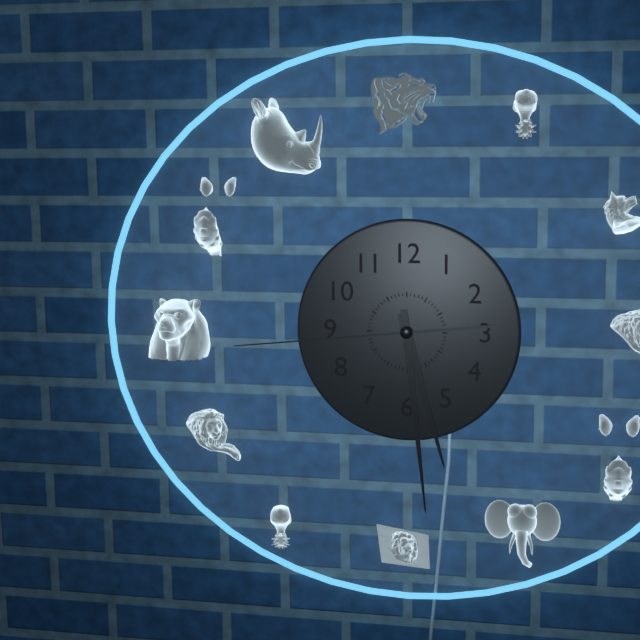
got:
**5:29:44**
